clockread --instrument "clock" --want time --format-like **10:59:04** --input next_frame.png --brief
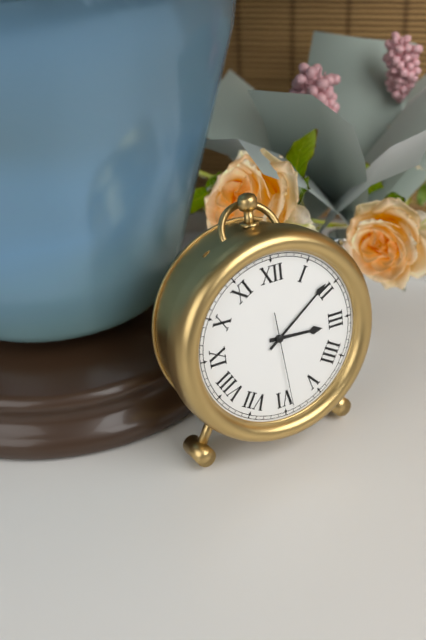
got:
**3:09:29**
